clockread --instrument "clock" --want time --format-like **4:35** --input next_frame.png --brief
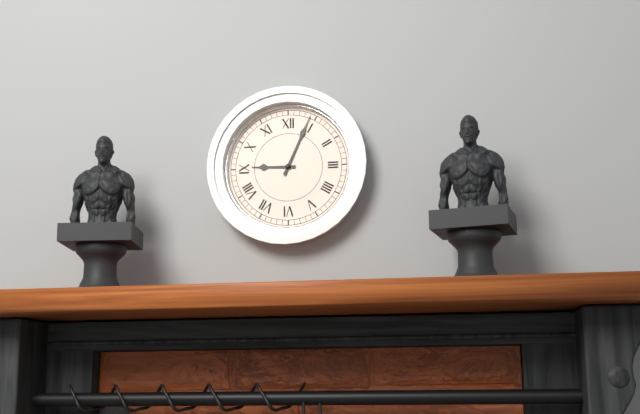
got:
**9:04**
